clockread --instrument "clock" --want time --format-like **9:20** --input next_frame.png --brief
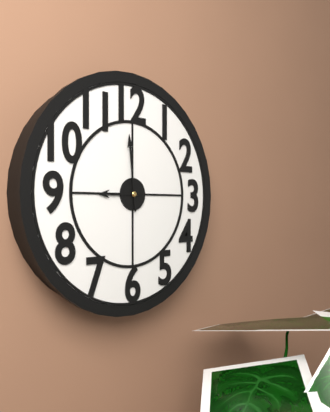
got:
**8:59**
